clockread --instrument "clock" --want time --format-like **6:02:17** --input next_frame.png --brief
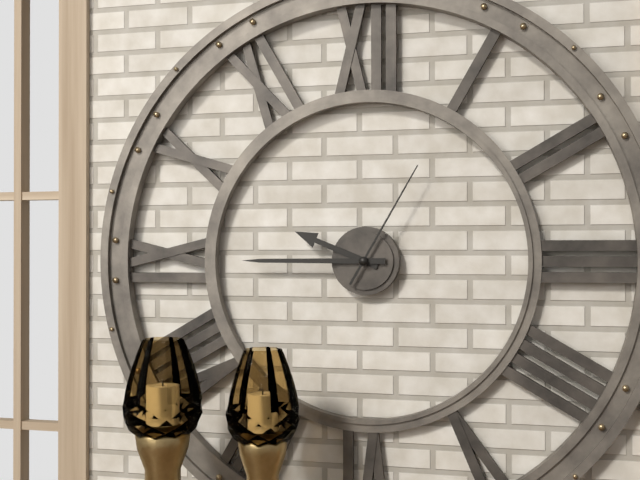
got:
**9:45:05**
